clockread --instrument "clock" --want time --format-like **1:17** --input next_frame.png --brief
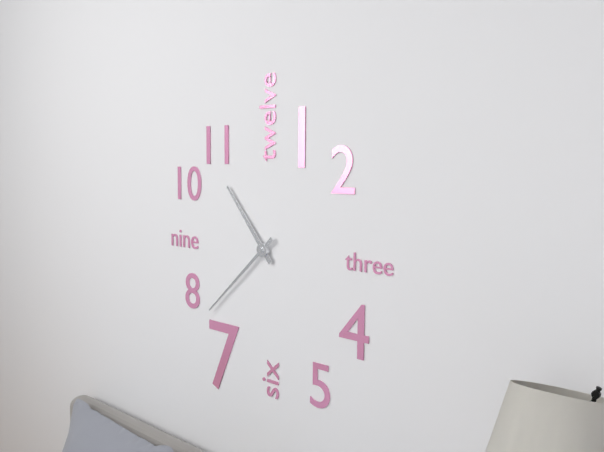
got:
**10:38**
